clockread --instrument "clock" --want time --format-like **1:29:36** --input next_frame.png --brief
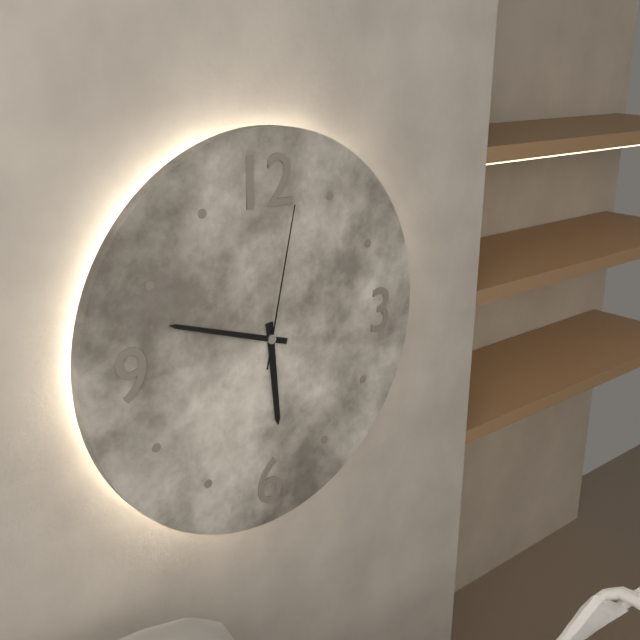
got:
**5:48:02**
